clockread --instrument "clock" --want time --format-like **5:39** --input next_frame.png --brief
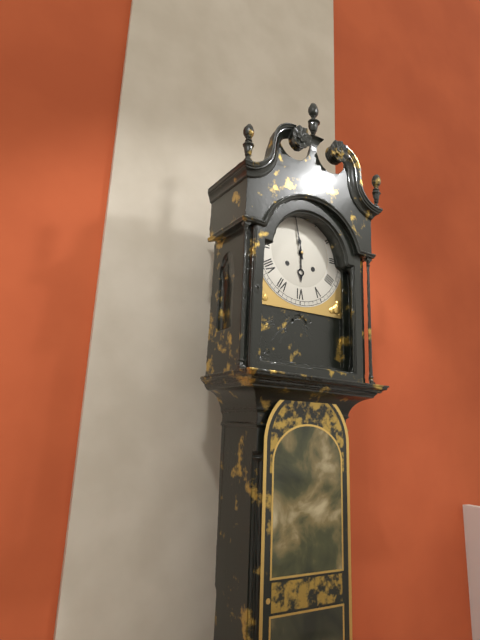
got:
**5:58**
